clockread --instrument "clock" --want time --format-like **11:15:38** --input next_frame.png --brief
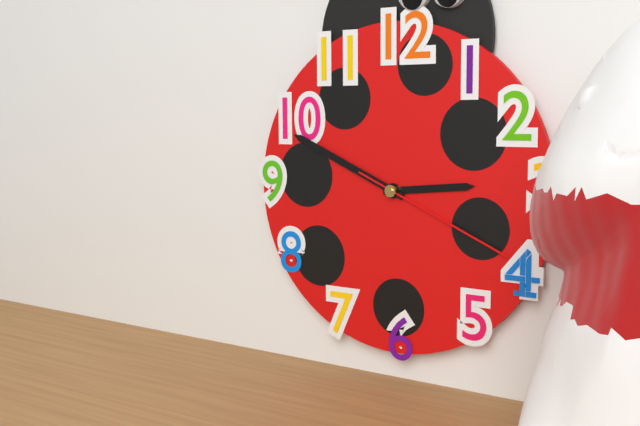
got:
**2:49:19**
